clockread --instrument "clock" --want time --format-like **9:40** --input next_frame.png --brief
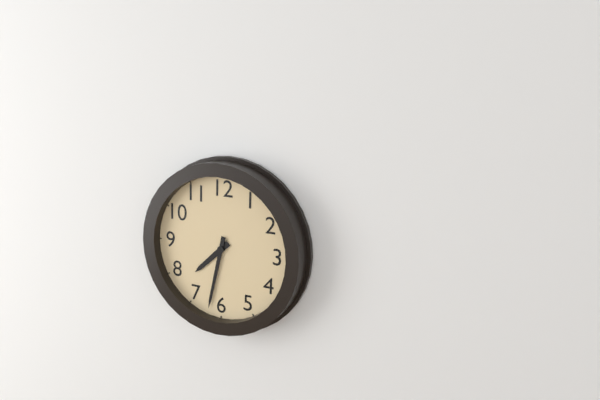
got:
**7:32**
